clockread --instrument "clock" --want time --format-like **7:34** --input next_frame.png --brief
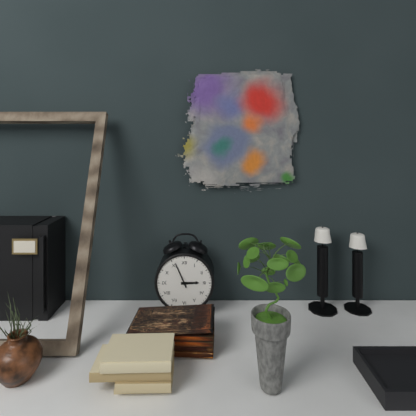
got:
**2:56**
